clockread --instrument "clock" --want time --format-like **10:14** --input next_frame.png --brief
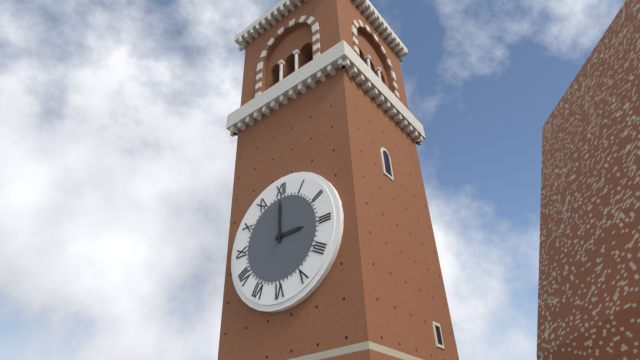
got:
**3:00**
